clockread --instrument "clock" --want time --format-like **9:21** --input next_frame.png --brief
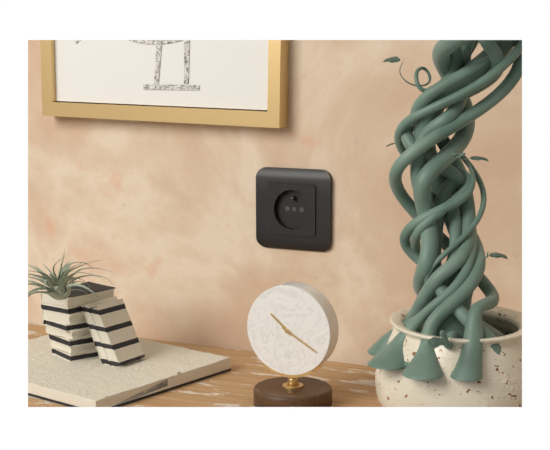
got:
**10:20**
